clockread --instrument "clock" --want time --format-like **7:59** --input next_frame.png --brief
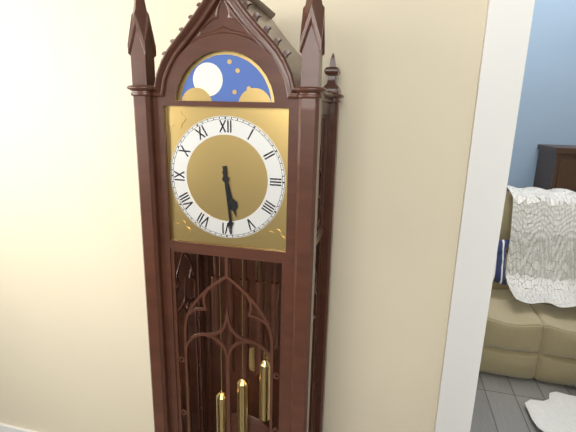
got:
**5:29**
